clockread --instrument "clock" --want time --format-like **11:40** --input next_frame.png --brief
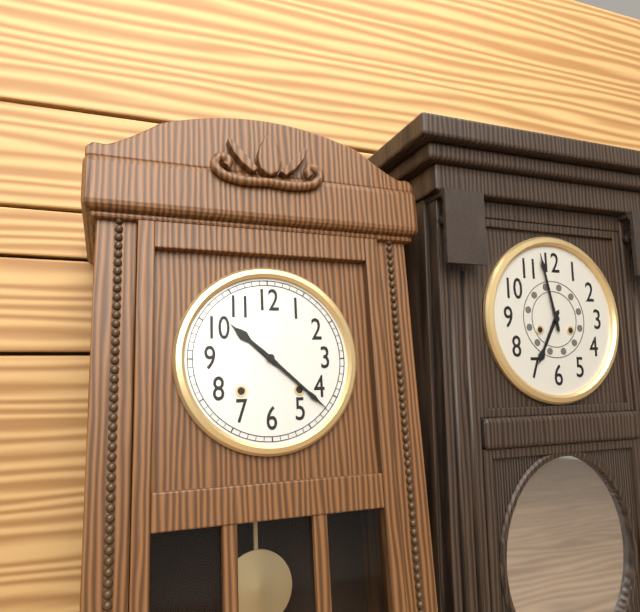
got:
**10:22**
